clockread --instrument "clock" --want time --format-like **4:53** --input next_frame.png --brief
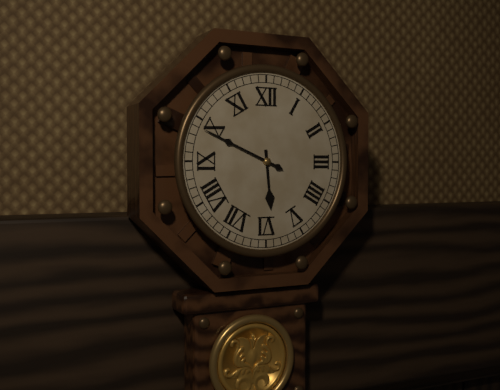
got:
**5:49**
